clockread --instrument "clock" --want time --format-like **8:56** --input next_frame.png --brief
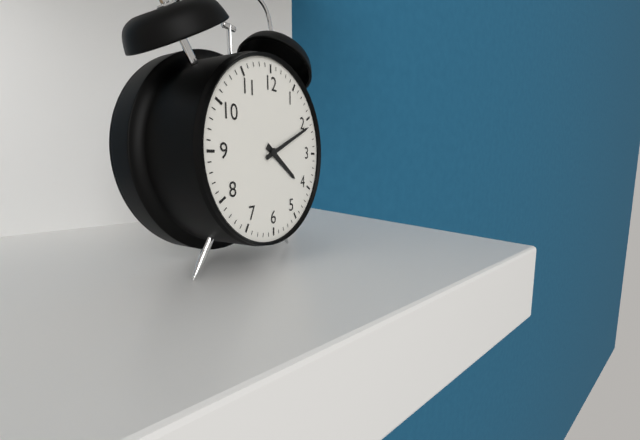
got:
**4:11**
